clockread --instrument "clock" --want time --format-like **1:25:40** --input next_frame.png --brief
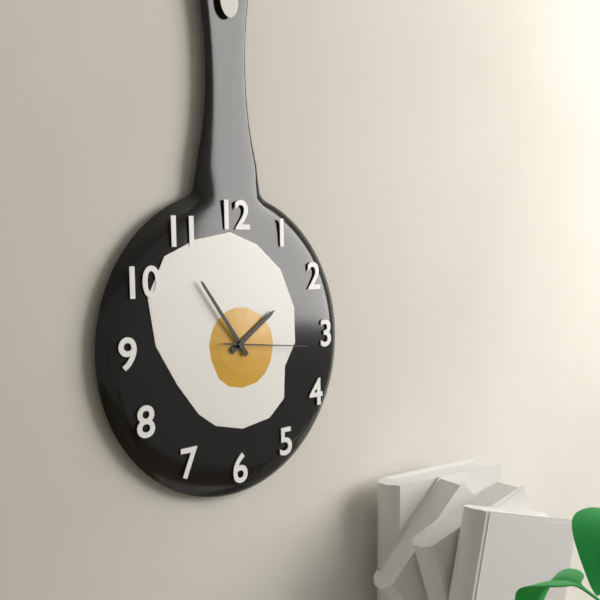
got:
**1:54:16**
